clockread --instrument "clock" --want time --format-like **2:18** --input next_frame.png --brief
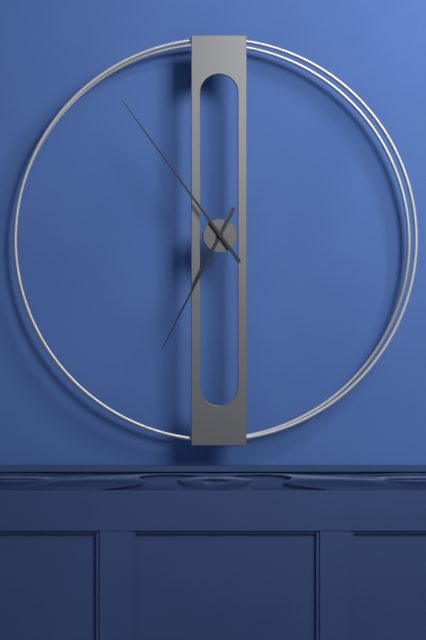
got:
**6:54**
